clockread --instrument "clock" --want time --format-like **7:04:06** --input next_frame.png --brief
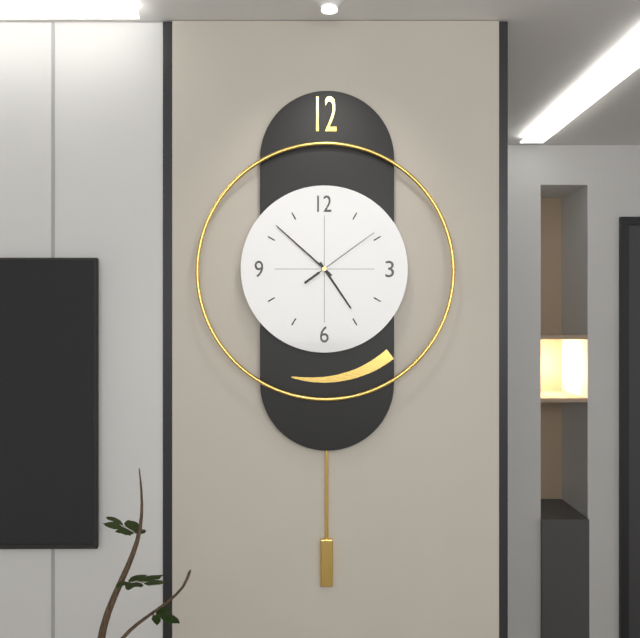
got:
**4:52:09**
